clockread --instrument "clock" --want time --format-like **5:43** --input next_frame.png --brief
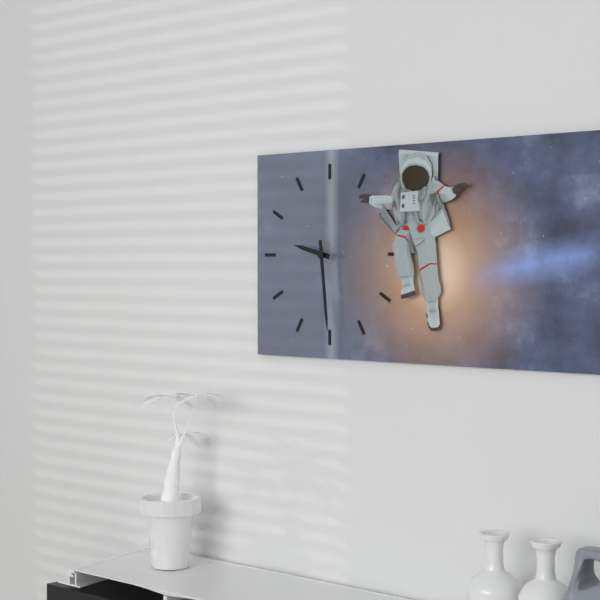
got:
**9:29**
